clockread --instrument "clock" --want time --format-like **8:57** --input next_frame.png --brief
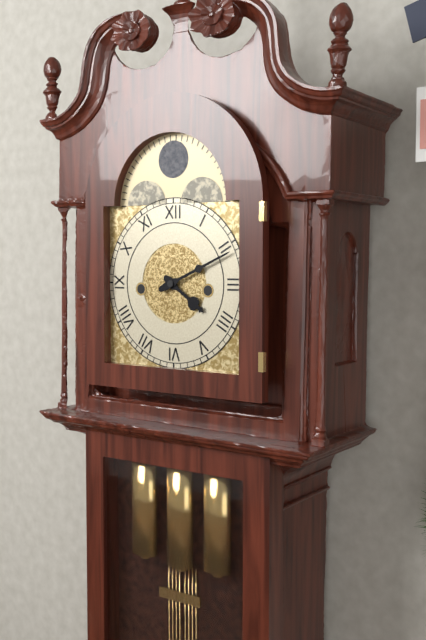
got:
**4:11**
